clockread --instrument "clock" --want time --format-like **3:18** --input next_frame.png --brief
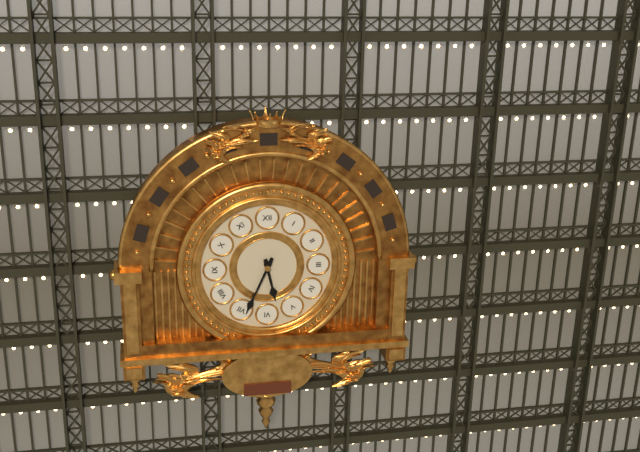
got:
**5:34**
